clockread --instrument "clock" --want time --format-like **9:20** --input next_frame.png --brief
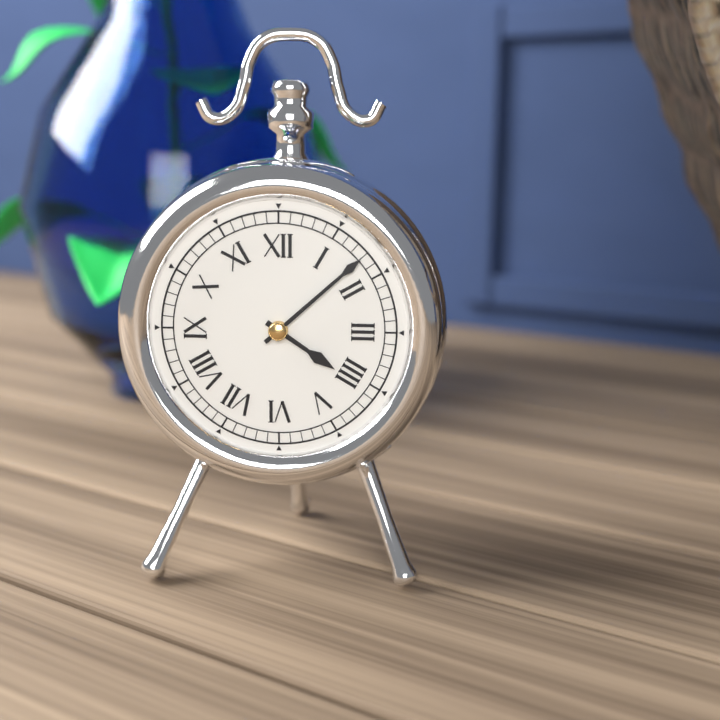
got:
**4:08**
